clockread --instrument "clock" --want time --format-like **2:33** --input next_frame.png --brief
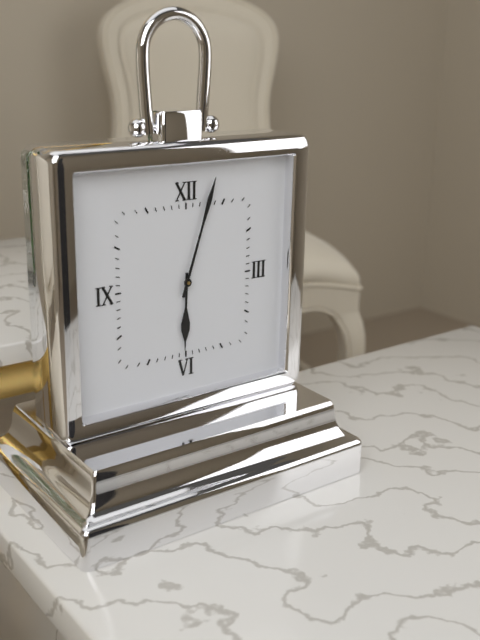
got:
**6:03**
